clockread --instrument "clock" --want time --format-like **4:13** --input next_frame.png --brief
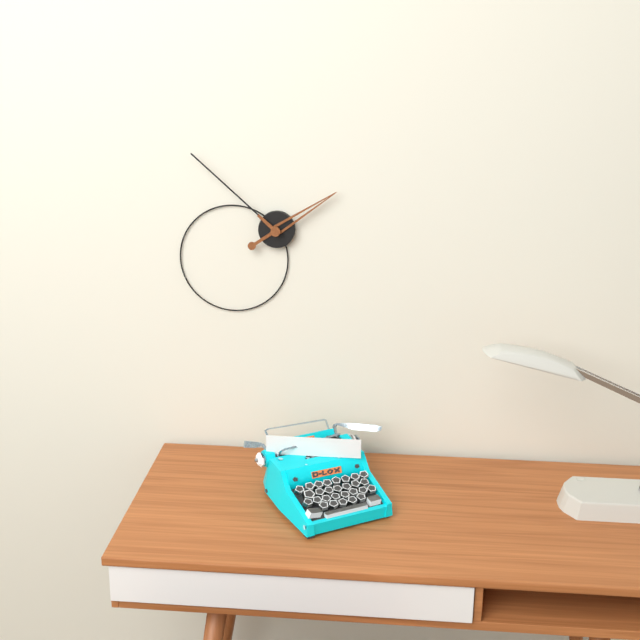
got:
**1:52**
